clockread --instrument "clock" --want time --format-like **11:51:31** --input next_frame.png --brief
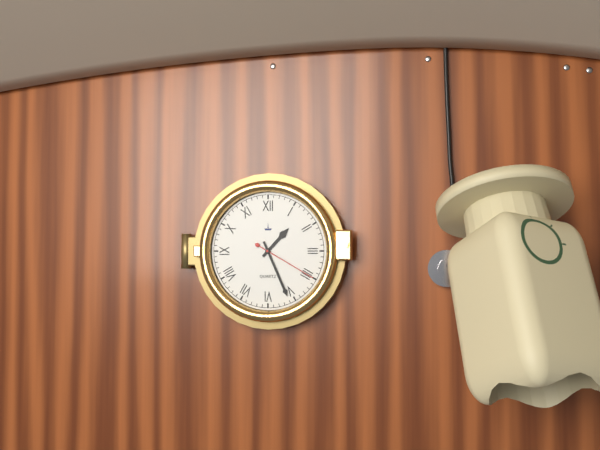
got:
**1:26:20**
